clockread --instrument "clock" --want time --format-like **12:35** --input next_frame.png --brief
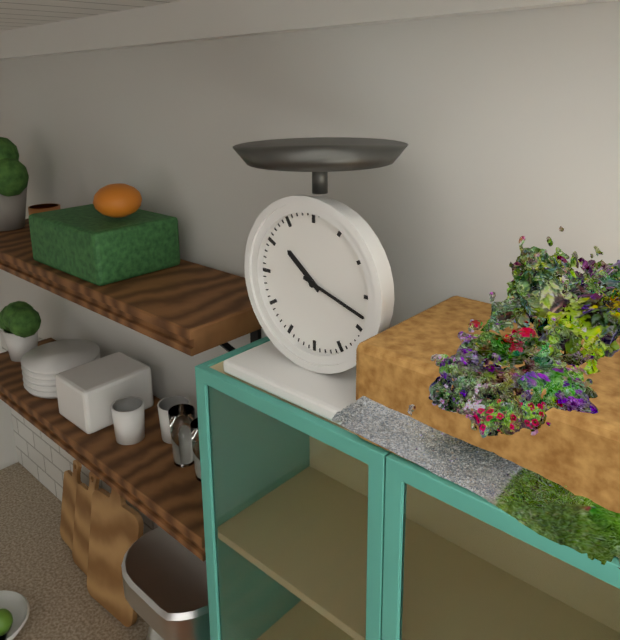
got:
**10:18**
